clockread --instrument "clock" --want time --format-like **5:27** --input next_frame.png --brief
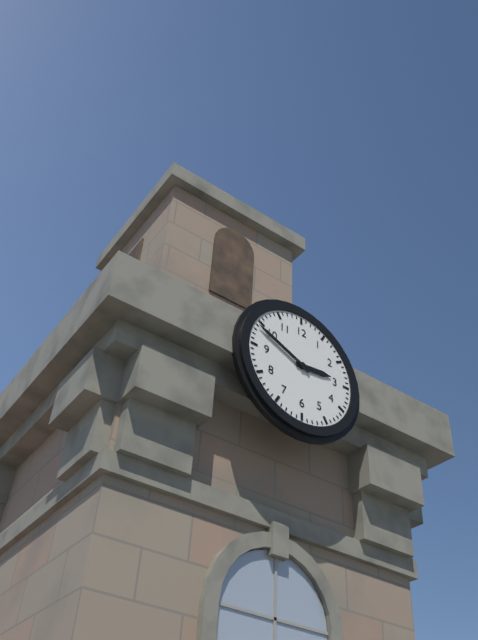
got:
**2:49**
